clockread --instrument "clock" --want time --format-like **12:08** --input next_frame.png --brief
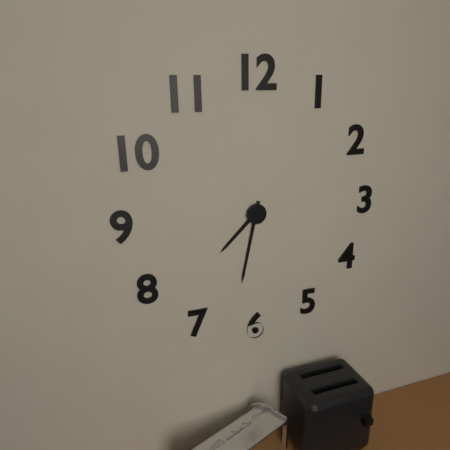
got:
**7:32**
